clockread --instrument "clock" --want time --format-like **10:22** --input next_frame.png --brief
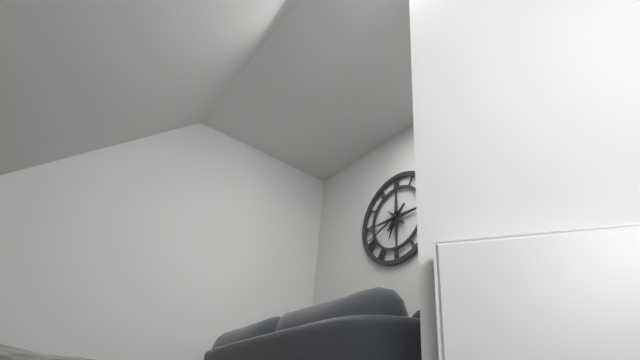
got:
**6:41**
